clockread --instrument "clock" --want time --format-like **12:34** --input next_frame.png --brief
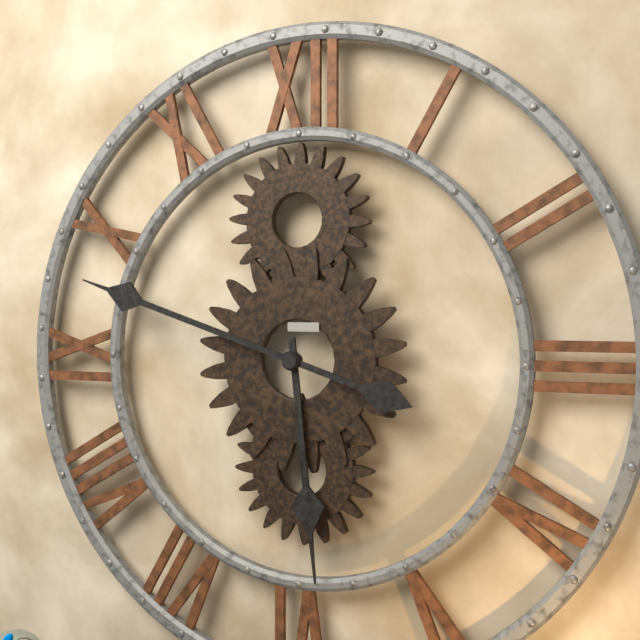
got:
**5:48**
